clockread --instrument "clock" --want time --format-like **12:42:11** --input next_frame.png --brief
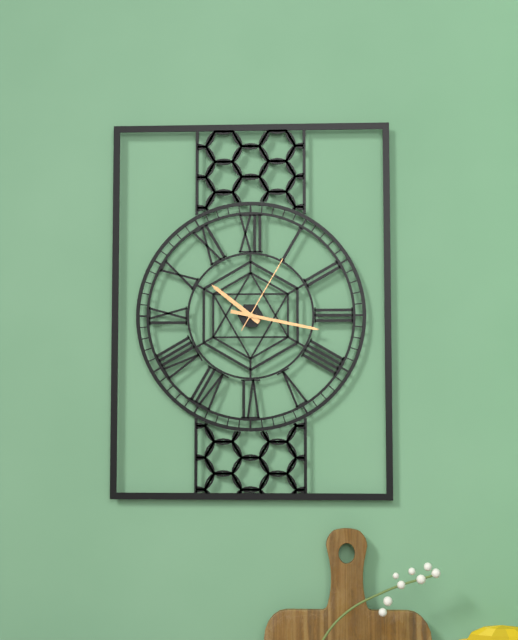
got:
**10:17:05**
